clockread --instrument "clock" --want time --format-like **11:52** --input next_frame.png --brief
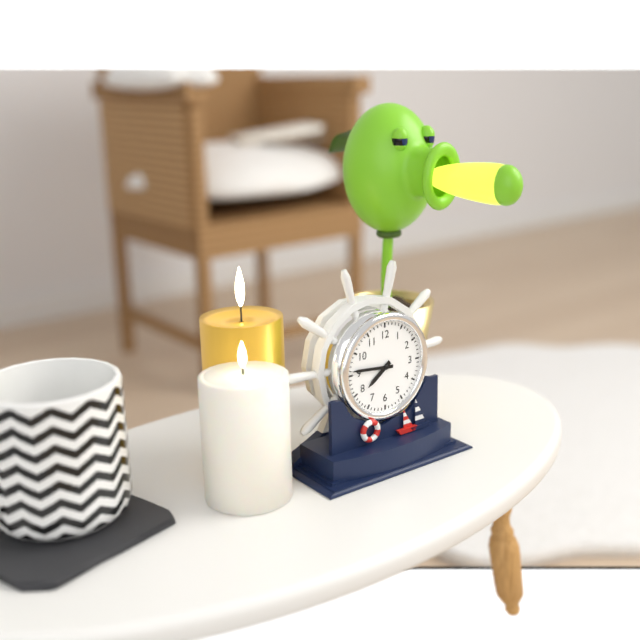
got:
**7:46**
